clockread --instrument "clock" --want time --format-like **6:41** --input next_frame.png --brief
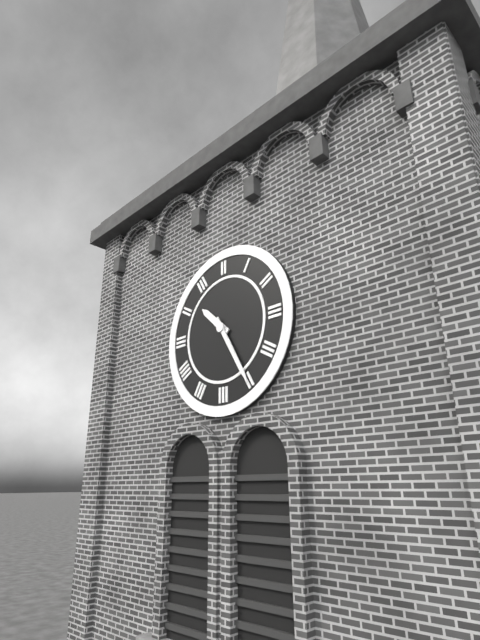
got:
**10:25**
